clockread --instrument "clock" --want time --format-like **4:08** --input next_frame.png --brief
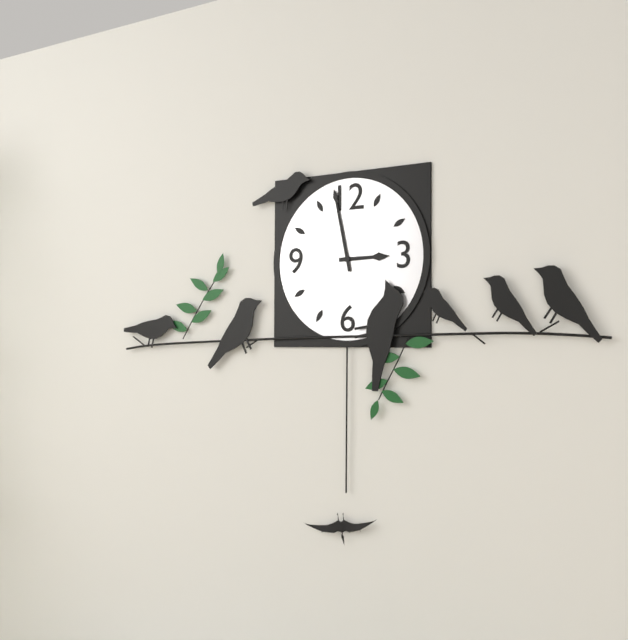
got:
**2:58**
